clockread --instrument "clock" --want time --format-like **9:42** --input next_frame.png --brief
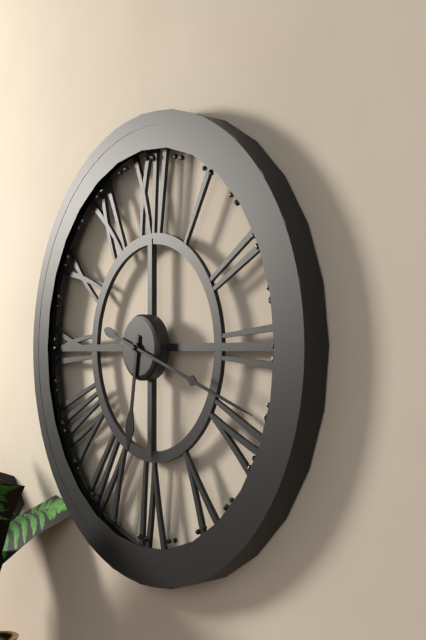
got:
**6:18**
